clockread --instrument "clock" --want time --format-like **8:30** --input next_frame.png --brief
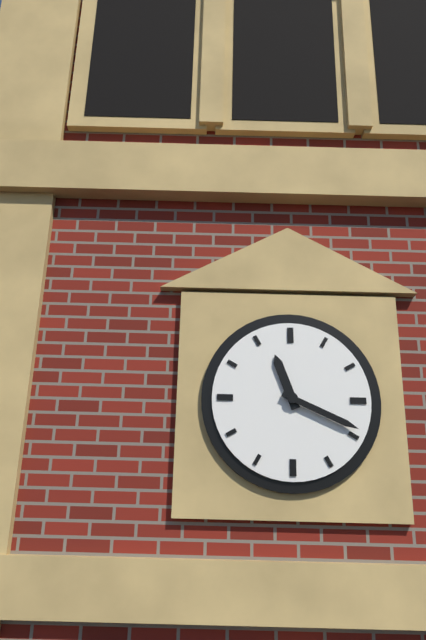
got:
**11:19**
